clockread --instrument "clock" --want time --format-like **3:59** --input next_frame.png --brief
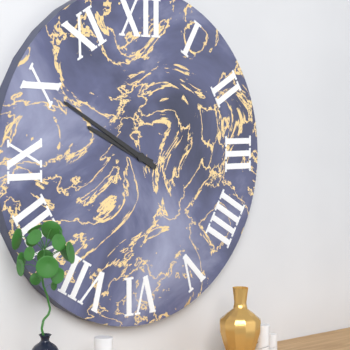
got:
**9:50**
